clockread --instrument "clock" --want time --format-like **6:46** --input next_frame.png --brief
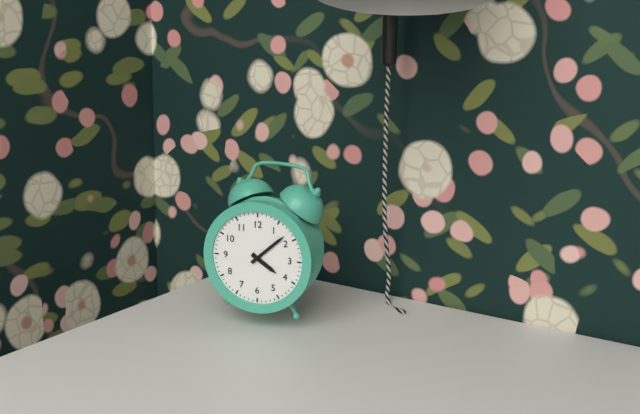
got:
**4:08**
